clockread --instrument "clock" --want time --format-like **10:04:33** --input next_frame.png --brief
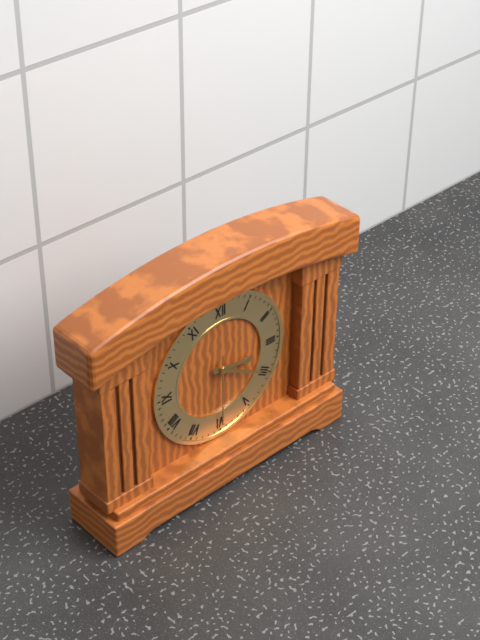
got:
**3:20:30**
